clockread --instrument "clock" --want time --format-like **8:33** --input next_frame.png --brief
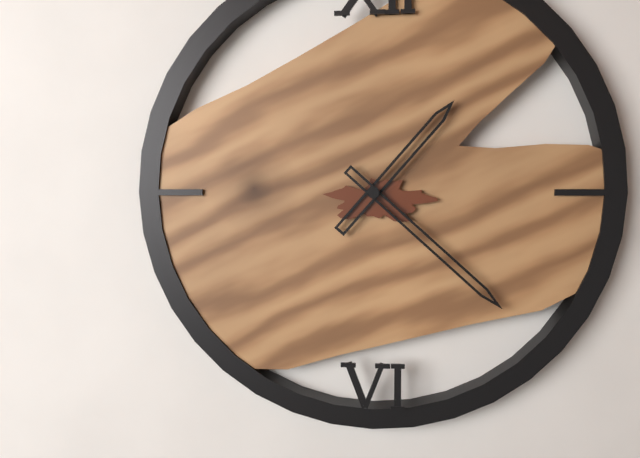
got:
**1:22**
